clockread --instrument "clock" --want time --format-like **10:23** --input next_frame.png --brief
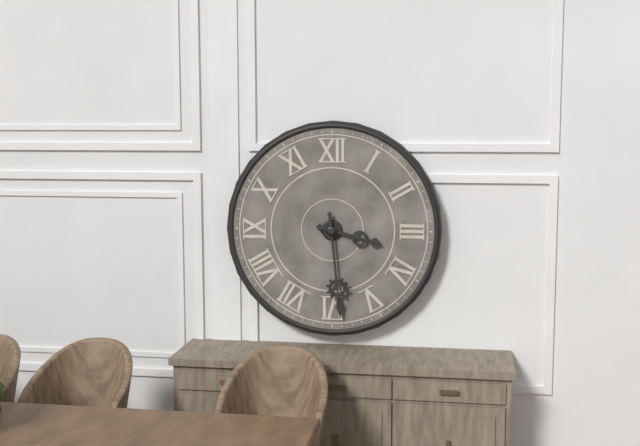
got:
**3:29**
